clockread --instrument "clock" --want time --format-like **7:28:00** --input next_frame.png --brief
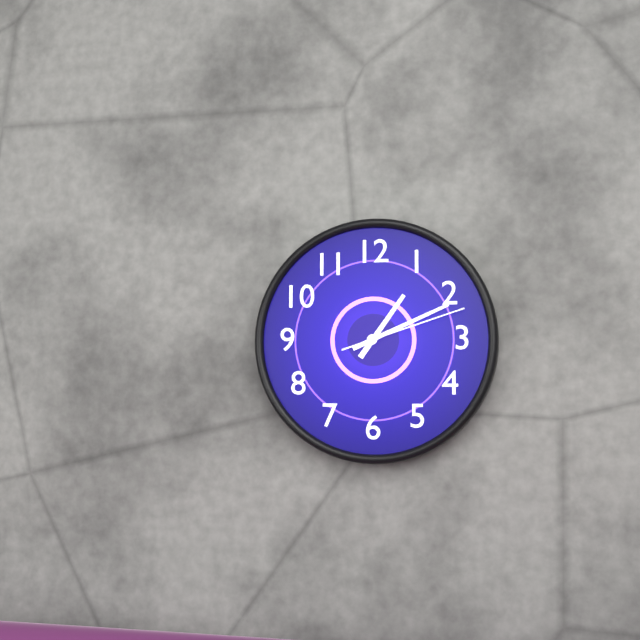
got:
**1:11:12**
